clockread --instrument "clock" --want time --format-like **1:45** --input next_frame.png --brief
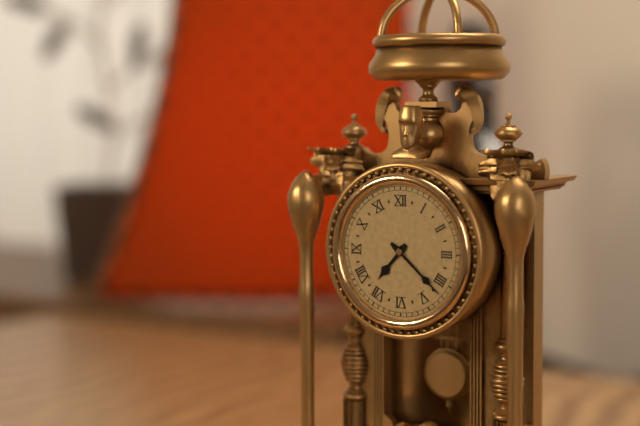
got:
**7:22**
